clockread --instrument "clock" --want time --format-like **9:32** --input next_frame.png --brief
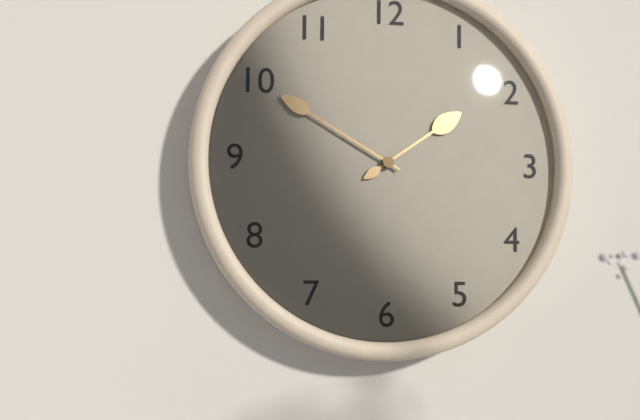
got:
**1:50**
